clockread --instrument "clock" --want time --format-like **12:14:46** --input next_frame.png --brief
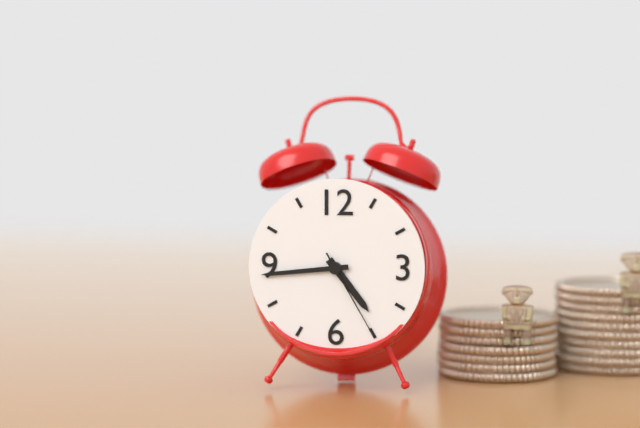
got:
**4:44:25**
